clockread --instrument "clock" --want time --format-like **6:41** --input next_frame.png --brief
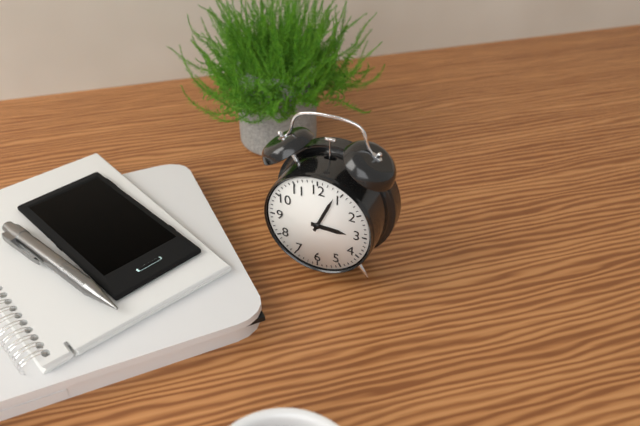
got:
**3:04**
